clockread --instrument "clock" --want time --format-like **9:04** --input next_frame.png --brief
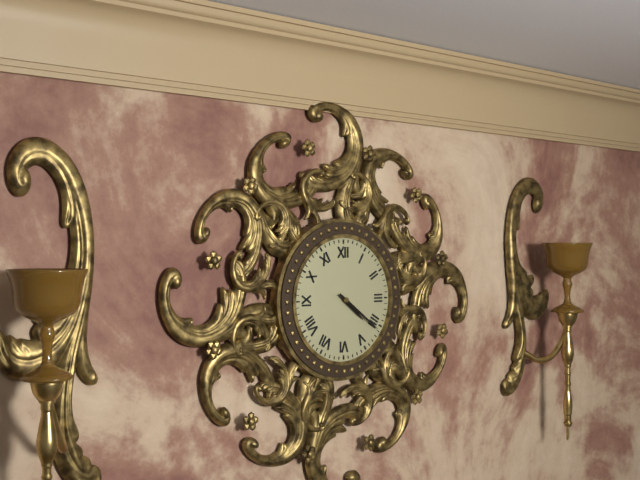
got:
**4:21**
